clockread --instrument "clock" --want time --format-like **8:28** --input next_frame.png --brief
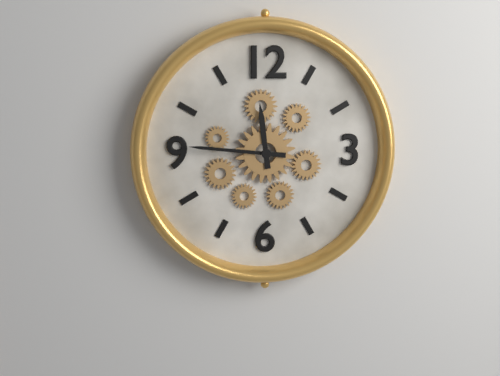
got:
**11:46**
